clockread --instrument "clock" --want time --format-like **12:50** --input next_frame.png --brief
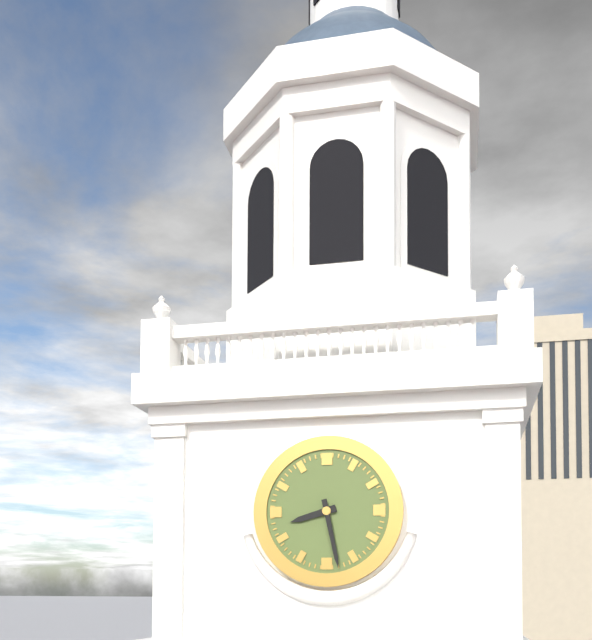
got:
**8:28**
